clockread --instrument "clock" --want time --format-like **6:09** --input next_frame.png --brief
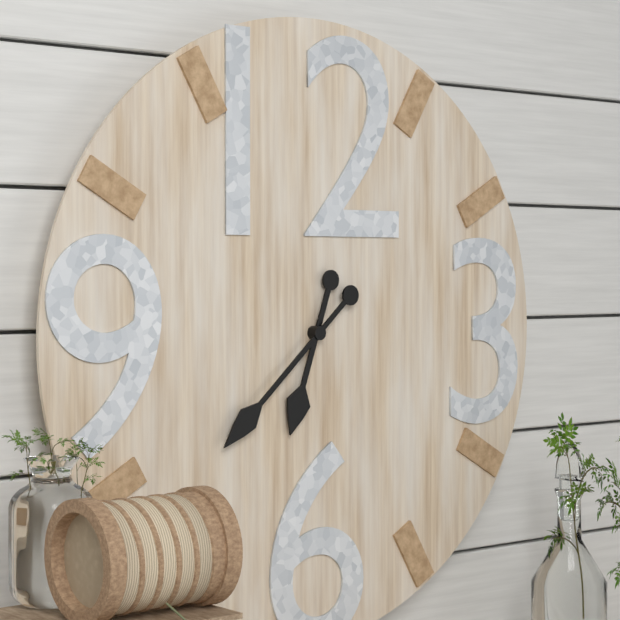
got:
**6:38**
